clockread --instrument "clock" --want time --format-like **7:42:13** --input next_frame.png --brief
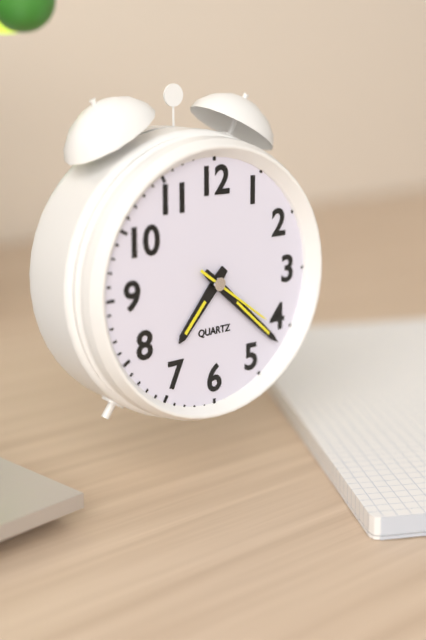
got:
**7:22:21**
